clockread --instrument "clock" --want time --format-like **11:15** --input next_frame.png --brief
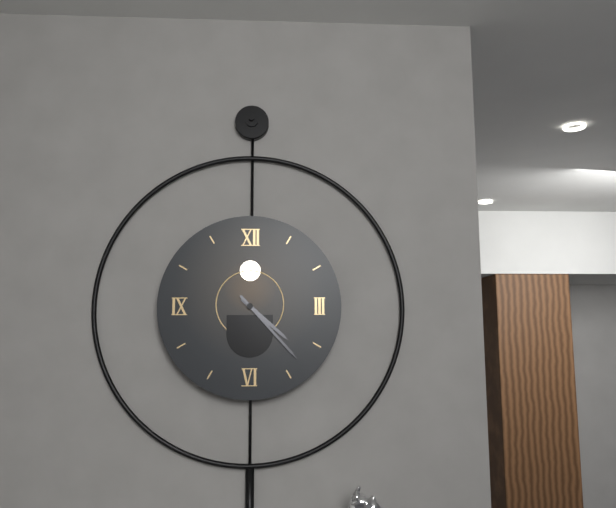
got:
**4:23**
